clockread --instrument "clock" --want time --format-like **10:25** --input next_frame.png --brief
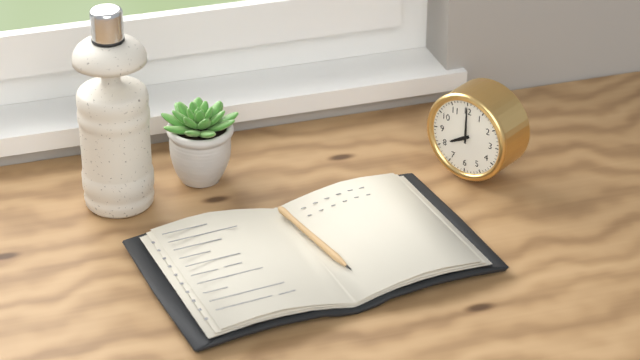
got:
**8:00**
